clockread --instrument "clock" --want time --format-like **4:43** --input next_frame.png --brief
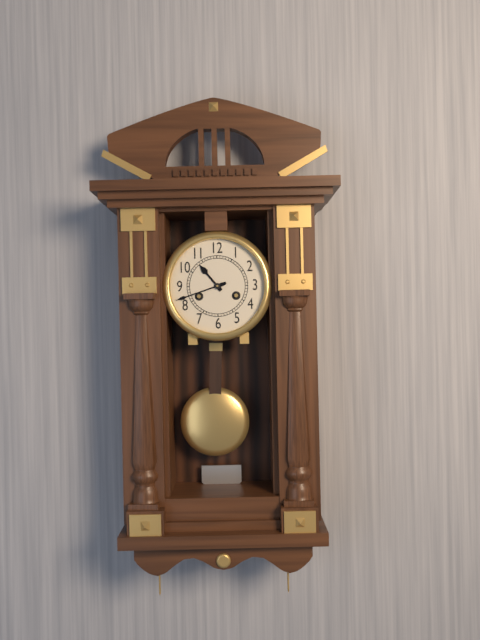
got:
**10:42**
